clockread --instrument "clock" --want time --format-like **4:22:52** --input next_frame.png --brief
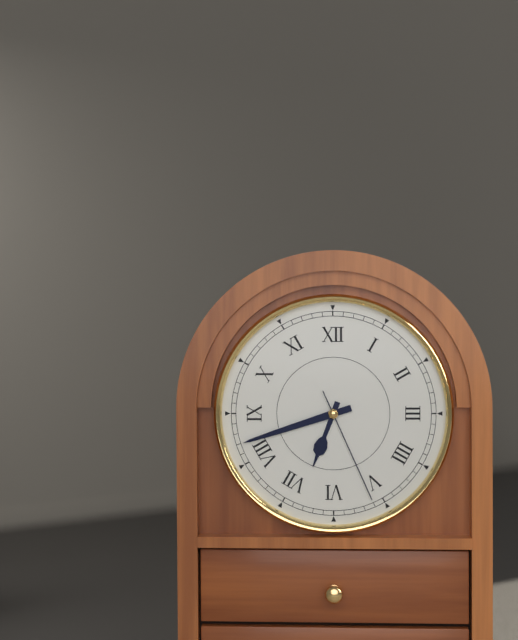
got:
**6:42:26**
